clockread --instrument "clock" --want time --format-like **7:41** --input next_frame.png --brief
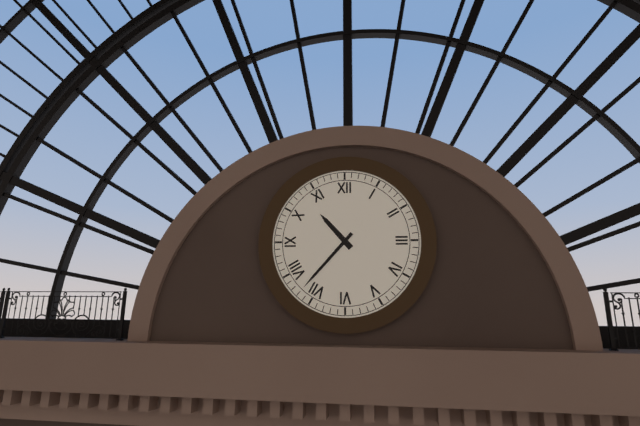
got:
**10:37**
